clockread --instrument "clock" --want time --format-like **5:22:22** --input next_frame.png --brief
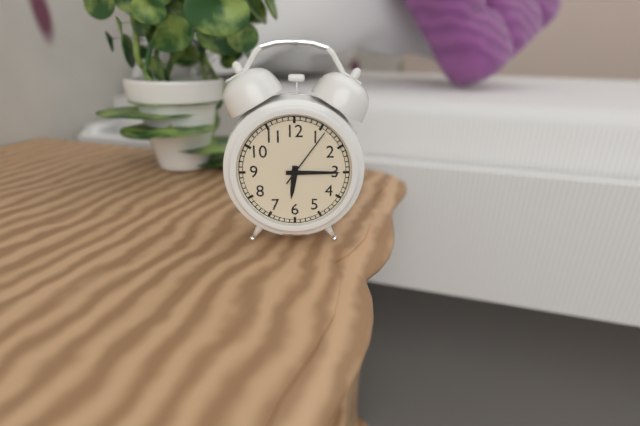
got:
**6:15:06**
